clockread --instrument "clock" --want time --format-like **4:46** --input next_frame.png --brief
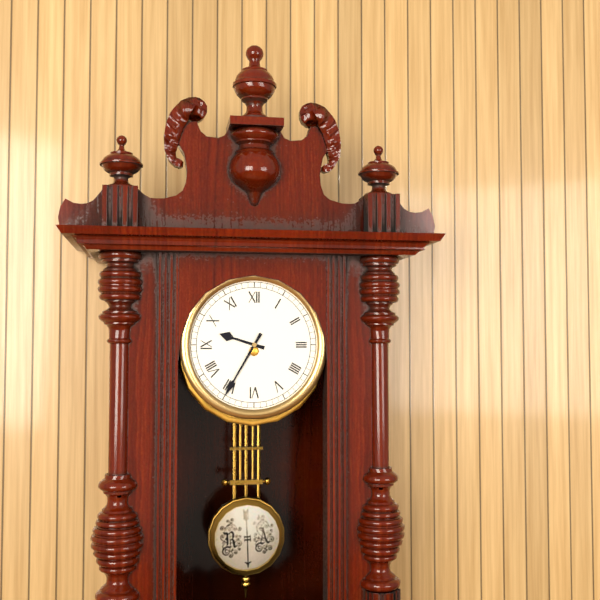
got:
**9:35**
